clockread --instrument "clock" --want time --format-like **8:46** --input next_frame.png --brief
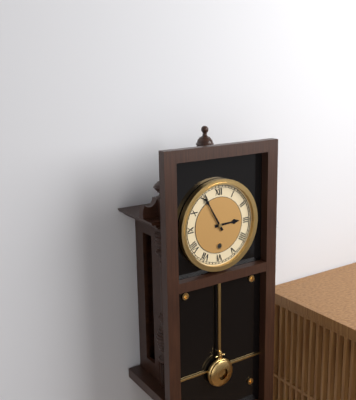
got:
**2:55**
